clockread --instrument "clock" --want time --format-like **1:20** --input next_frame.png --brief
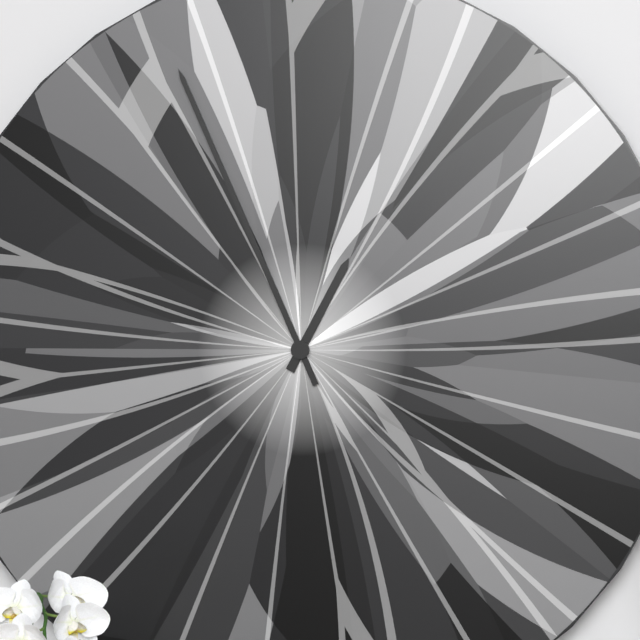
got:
**12:56**
